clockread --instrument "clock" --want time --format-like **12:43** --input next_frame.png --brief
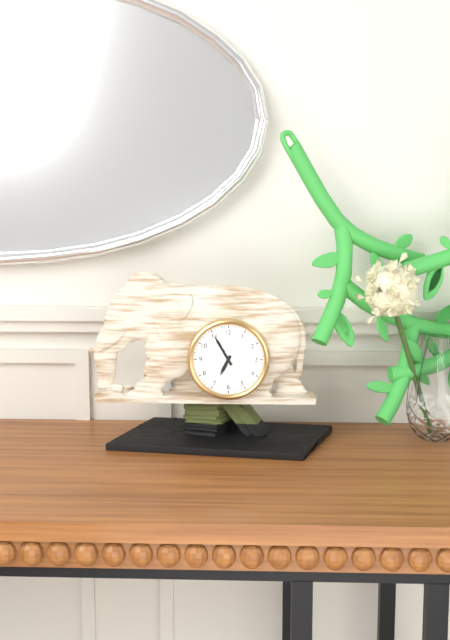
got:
**6:55**
